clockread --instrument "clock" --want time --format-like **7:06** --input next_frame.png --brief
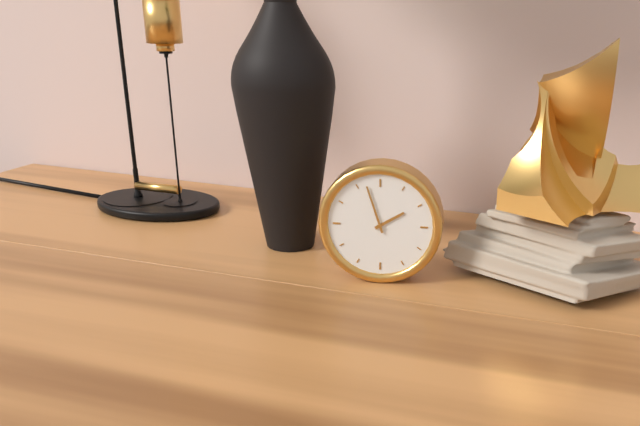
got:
**1:57**
